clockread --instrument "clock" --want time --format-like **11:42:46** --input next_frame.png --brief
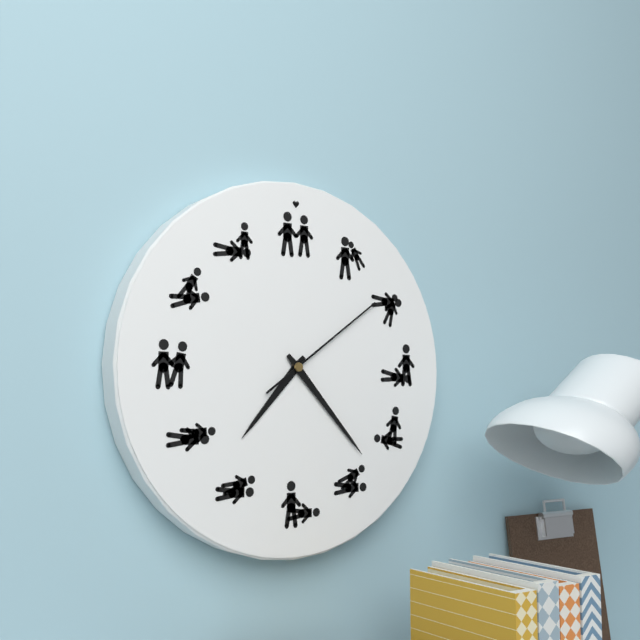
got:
**7:23:09**
